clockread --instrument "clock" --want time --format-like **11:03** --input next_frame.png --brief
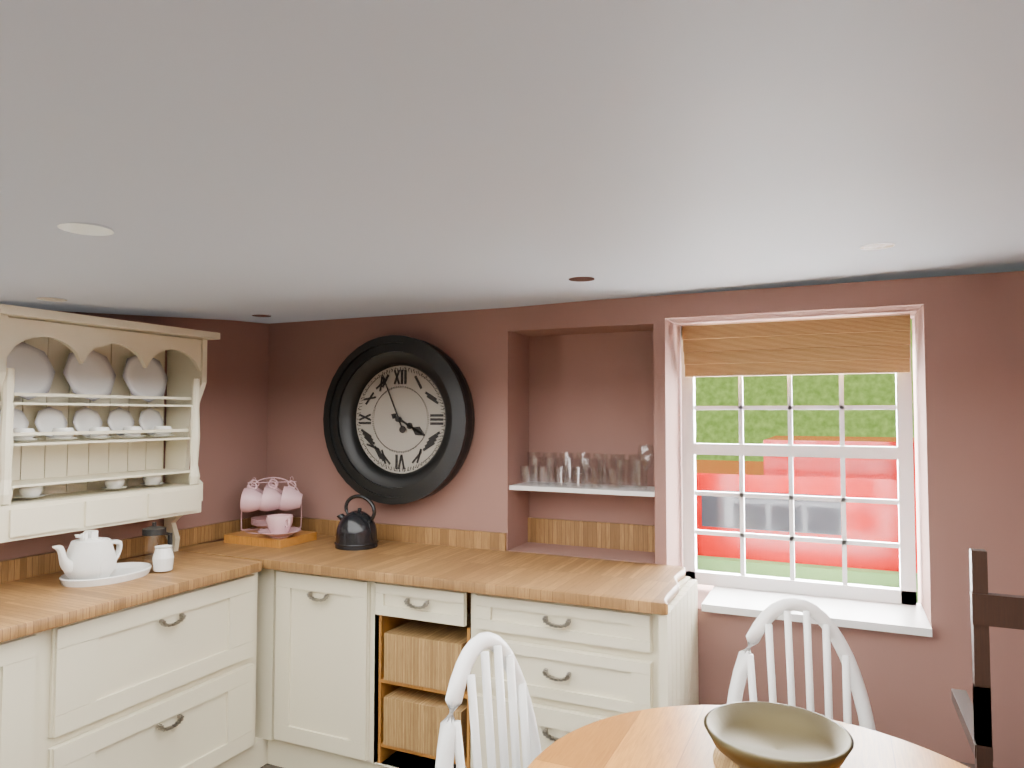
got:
**3:56**
